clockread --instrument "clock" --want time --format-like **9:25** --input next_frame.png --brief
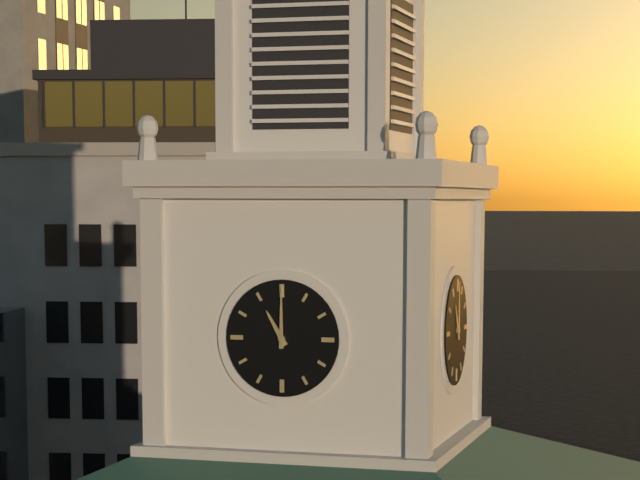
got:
**11:00**
